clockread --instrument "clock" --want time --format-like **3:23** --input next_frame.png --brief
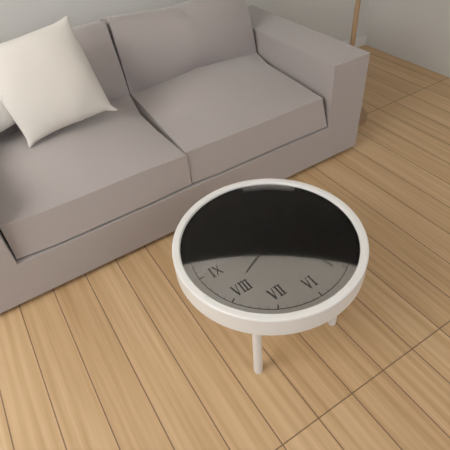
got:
**8:08**
